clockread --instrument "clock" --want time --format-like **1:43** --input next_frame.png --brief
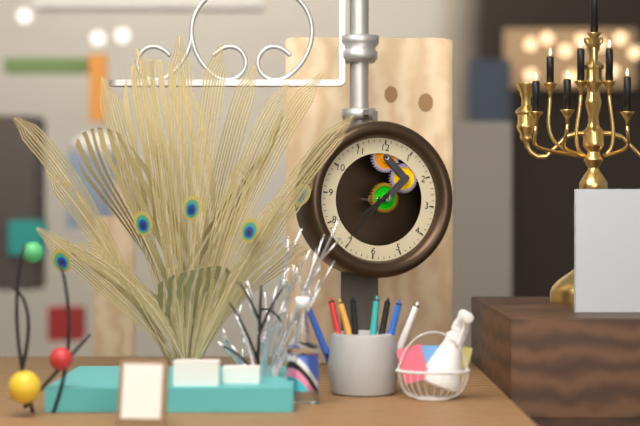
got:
**7:36**
